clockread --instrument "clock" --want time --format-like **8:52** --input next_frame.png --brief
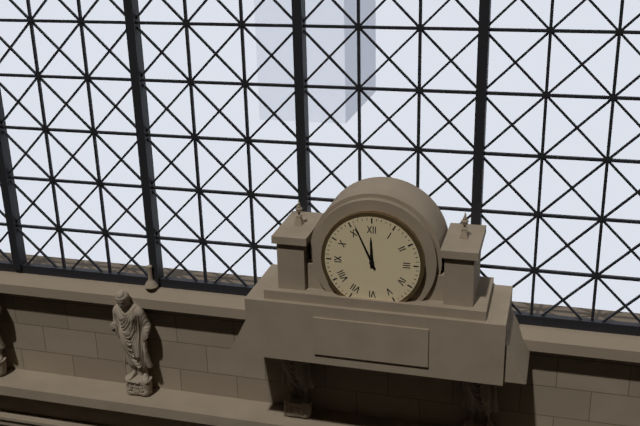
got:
**11:56**
